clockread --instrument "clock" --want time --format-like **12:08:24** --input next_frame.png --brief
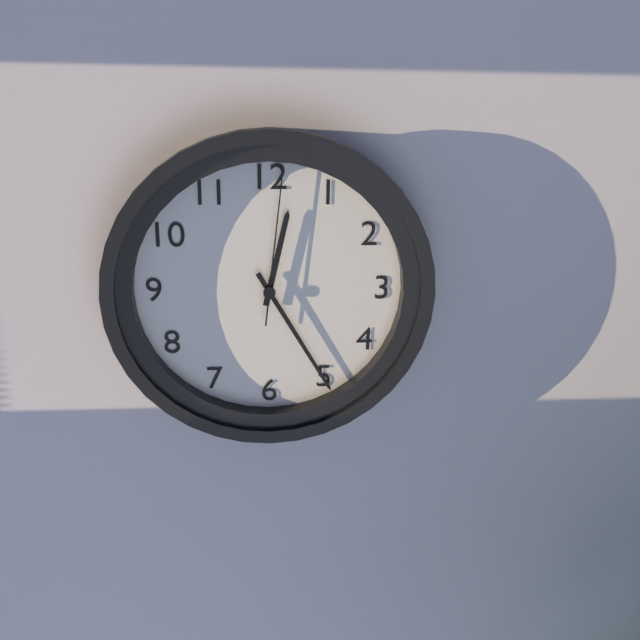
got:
**12:25:01**
